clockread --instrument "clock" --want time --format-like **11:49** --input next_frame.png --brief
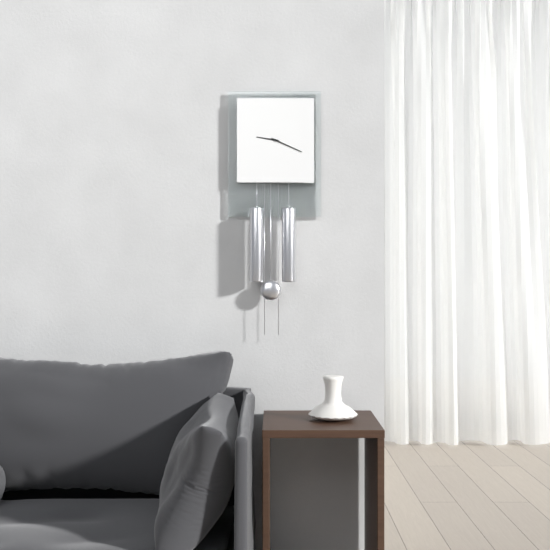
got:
**9:19**
